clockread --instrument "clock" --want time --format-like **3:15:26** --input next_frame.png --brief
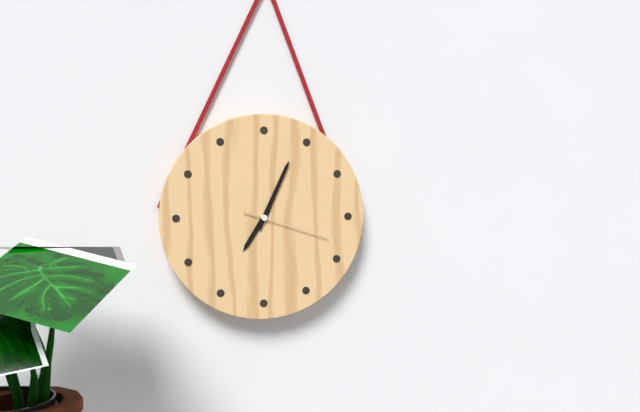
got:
**7:04:18**
